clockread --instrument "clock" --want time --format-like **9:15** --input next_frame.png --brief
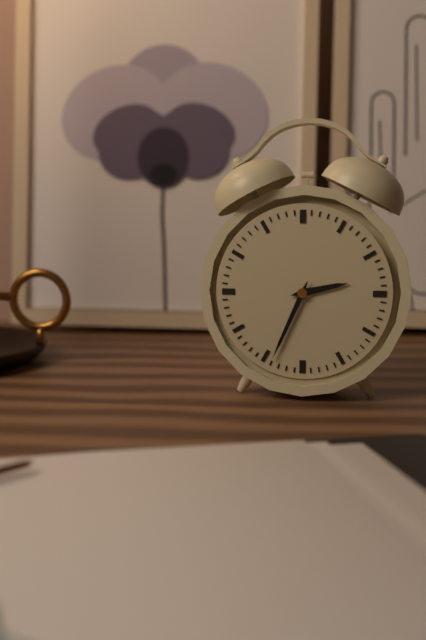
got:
**2:34**
